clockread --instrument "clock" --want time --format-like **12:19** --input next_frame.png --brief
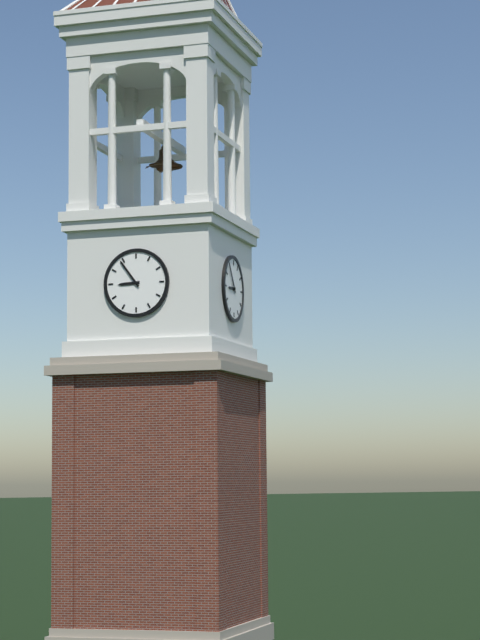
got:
**8:54**
